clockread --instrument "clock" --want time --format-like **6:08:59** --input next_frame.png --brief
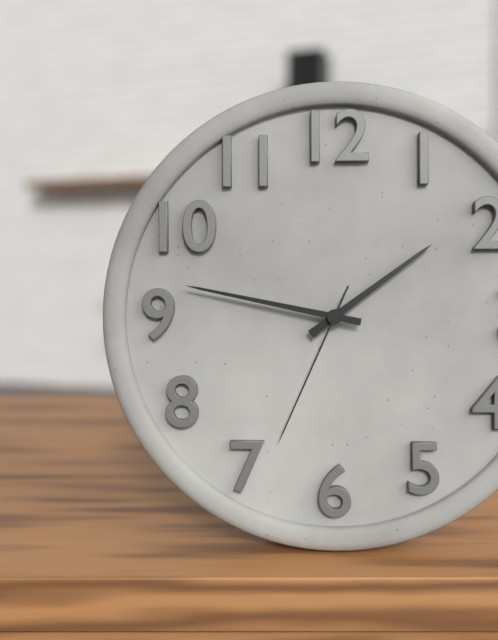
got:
**1:47:34**
